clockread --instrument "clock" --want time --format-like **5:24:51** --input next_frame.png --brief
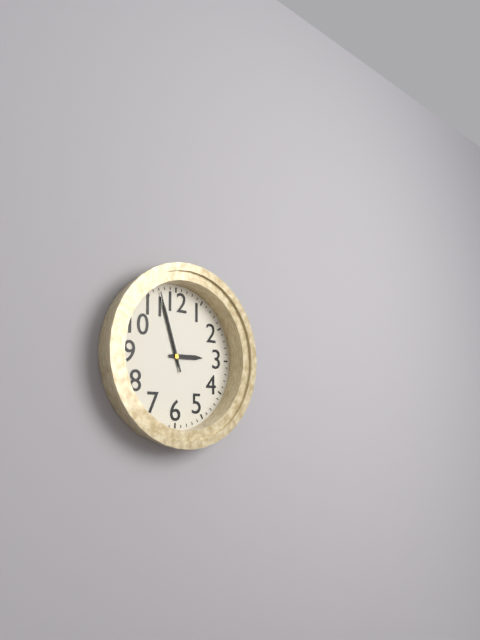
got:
**2:57:57**
